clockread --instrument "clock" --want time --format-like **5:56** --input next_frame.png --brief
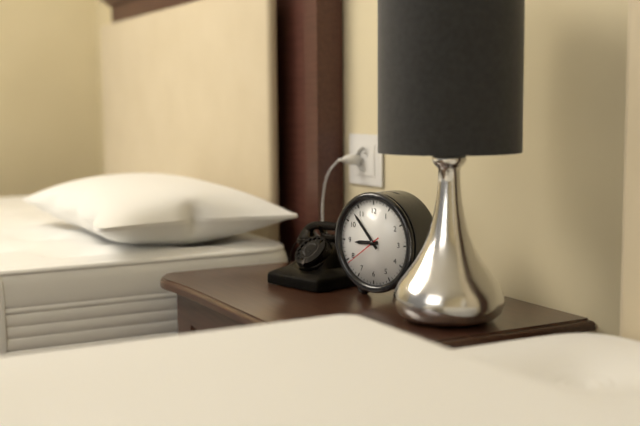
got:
**8:53**
